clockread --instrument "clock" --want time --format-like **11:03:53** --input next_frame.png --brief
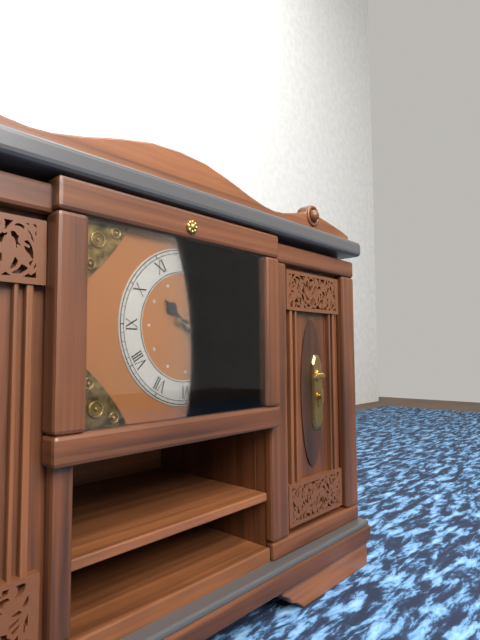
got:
**10:23:19**
